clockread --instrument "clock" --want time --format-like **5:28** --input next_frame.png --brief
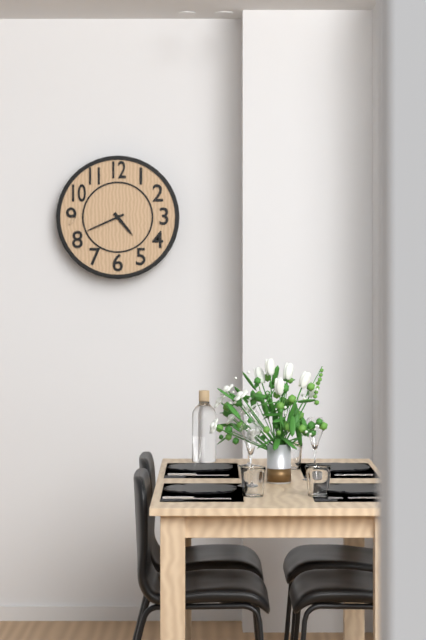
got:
**4:41**
